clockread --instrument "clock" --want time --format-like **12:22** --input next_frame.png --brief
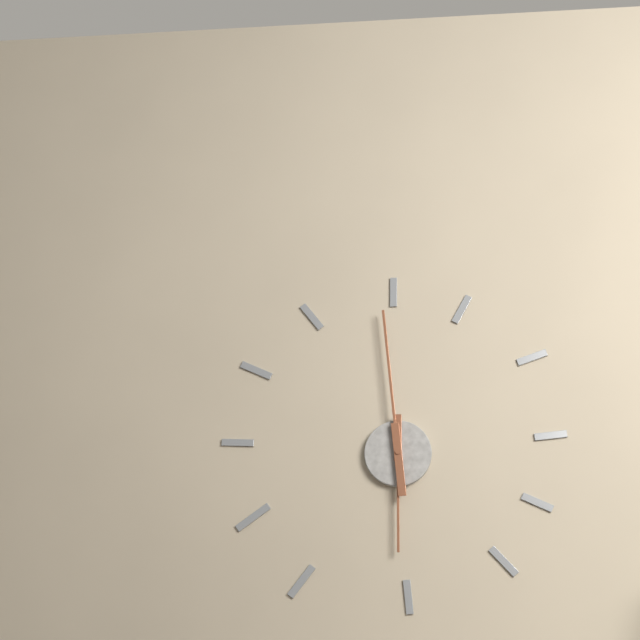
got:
**5:59**
